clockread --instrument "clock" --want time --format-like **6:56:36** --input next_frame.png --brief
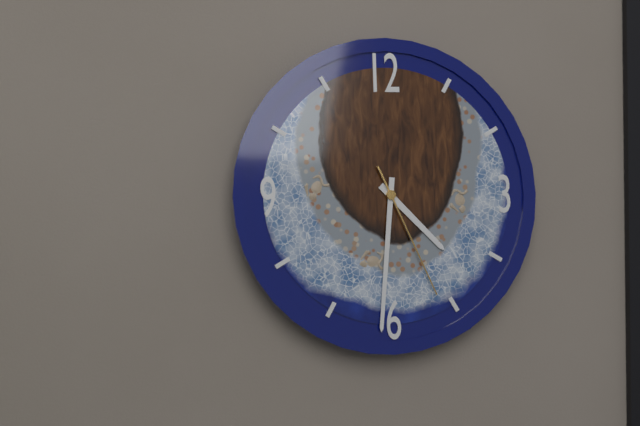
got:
**4:31:26**
